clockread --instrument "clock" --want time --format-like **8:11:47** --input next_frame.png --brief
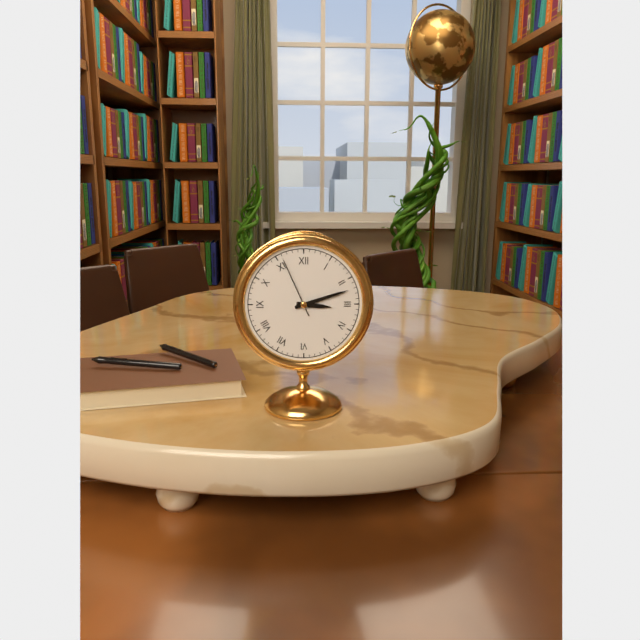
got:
**3:12:56**
